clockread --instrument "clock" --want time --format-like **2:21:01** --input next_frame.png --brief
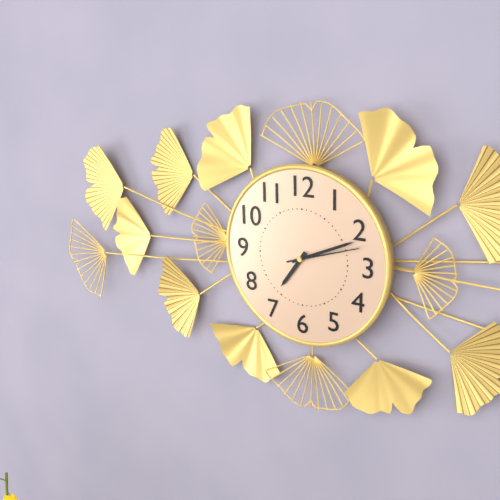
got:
**7:11:12**
